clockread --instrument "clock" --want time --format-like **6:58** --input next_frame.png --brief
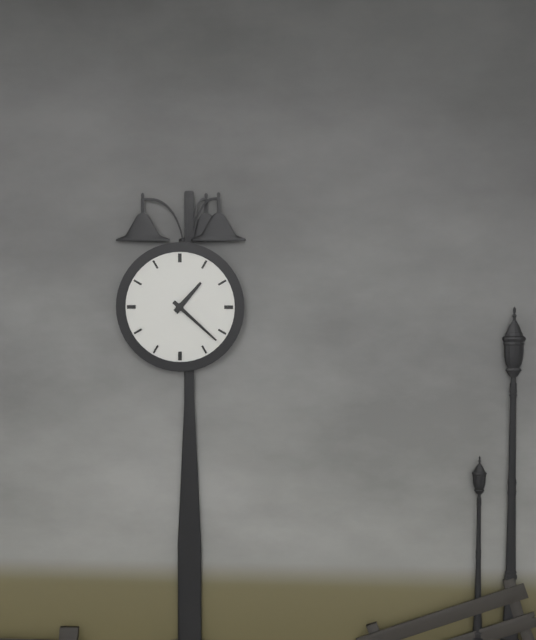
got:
**1:22**
